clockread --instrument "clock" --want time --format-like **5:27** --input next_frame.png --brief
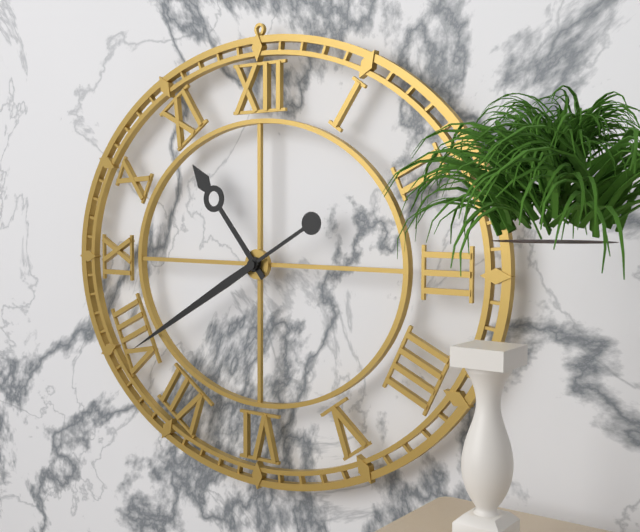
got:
**10:40**
